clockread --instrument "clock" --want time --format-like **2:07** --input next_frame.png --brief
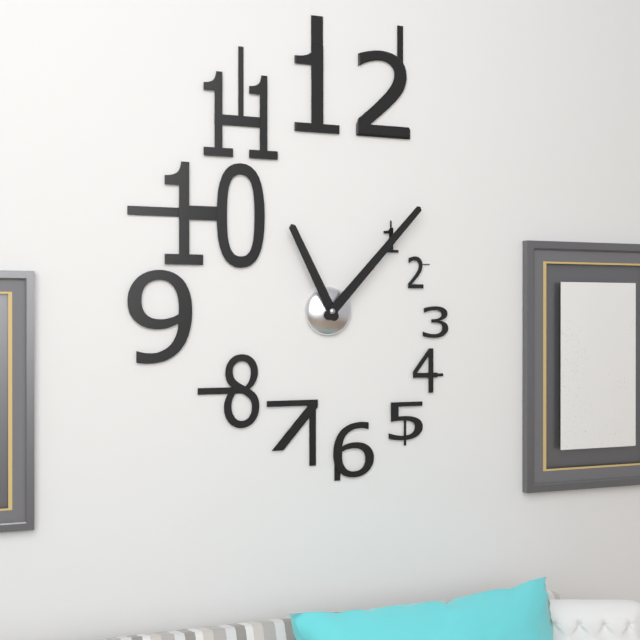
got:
**11:07**
